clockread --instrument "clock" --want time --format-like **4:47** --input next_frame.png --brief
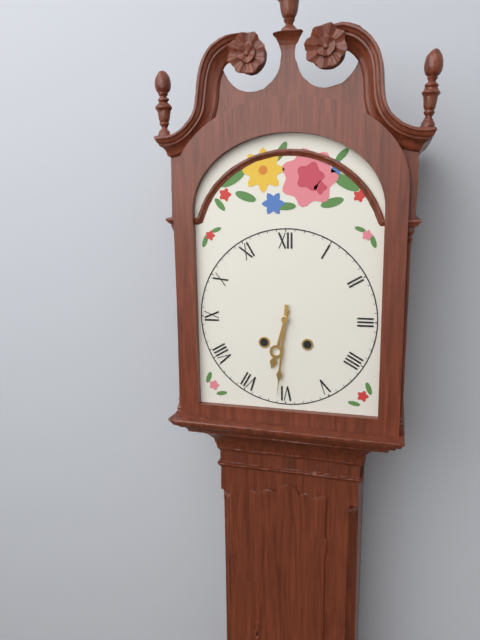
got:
**6:31**
